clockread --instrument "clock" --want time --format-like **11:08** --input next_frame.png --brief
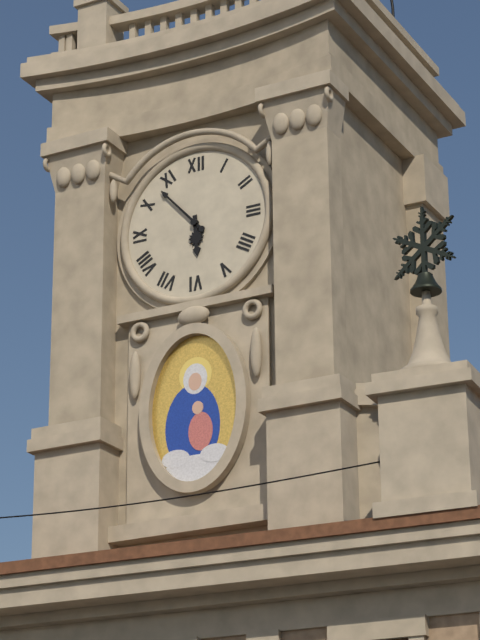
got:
**5:53**
